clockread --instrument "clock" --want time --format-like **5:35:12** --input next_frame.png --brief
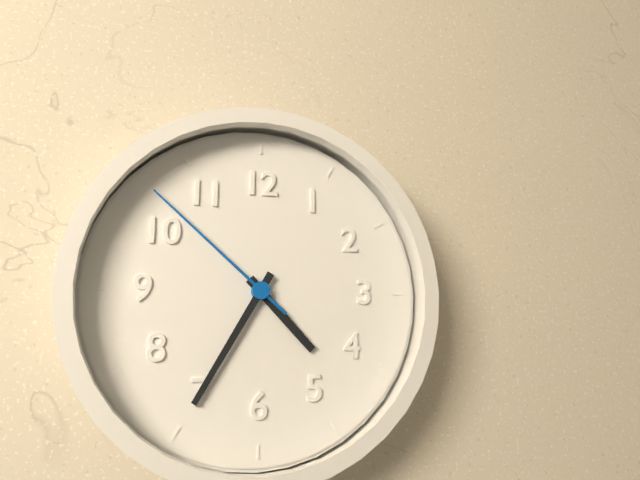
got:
**4:35:52**
